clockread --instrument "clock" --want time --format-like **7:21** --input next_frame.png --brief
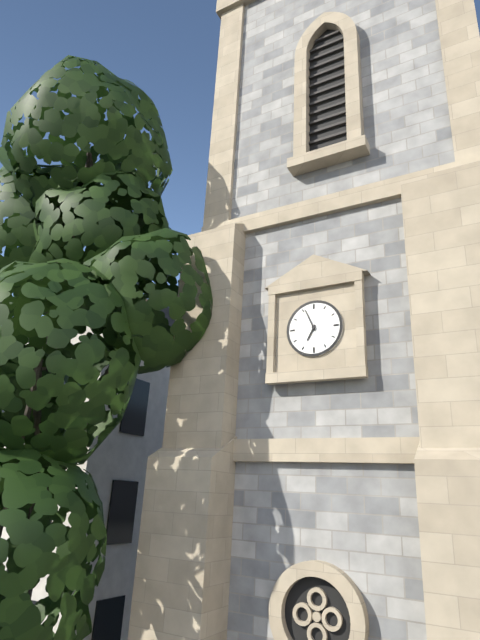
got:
**6:56**
